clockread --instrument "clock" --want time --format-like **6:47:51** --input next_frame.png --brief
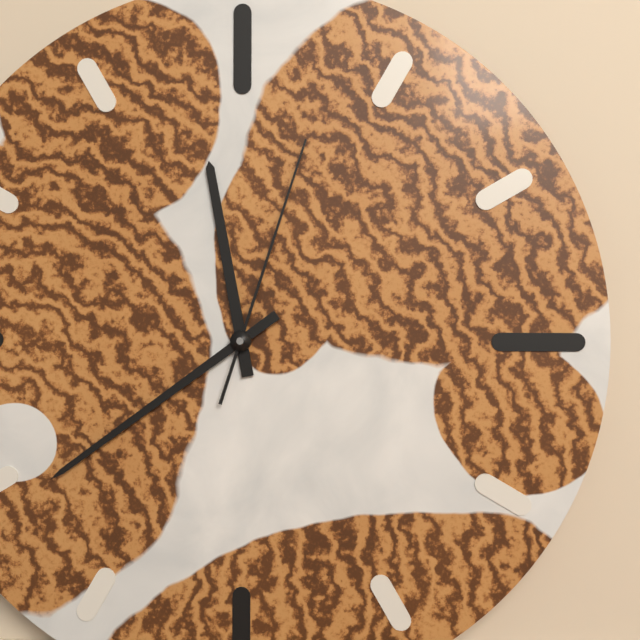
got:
**11:39:03**
